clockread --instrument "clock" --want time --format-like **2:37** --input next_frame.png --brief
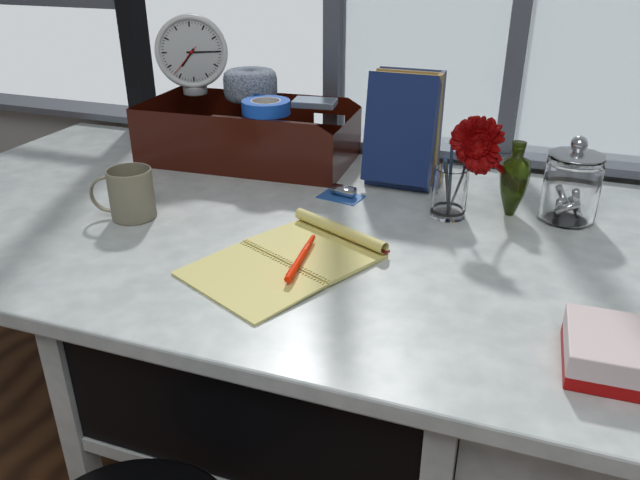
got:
**7:15**
